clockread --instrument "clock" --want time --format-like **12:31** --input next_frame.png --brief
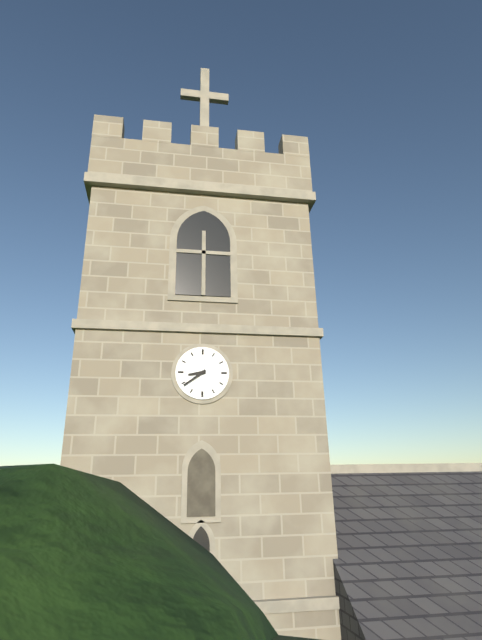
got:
**8:39**
